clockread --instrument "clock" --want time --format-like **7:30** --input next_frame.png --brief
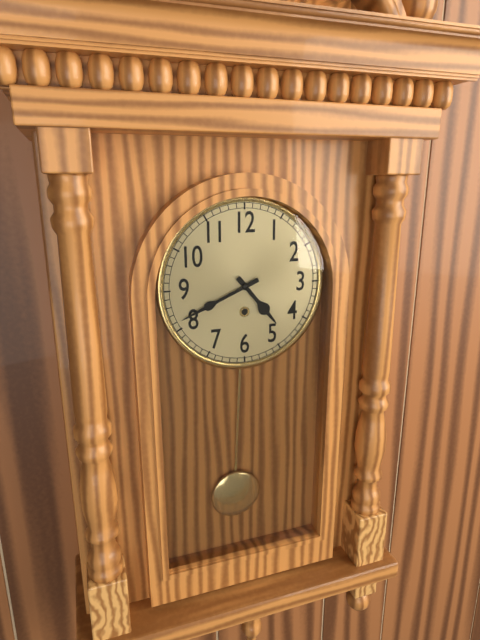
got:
**4:41**
